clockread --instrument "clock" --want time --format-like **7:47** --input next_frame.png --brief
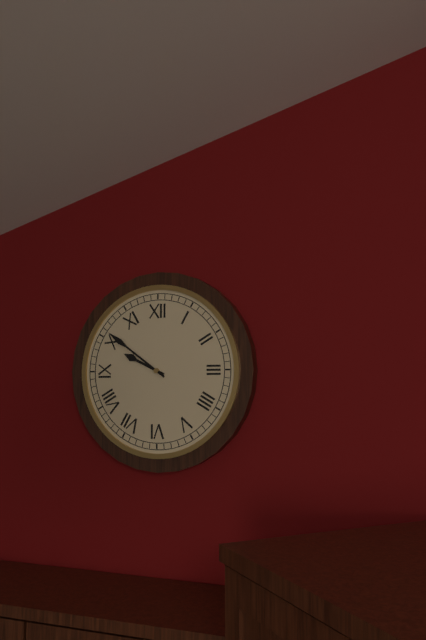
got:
**9:51**
